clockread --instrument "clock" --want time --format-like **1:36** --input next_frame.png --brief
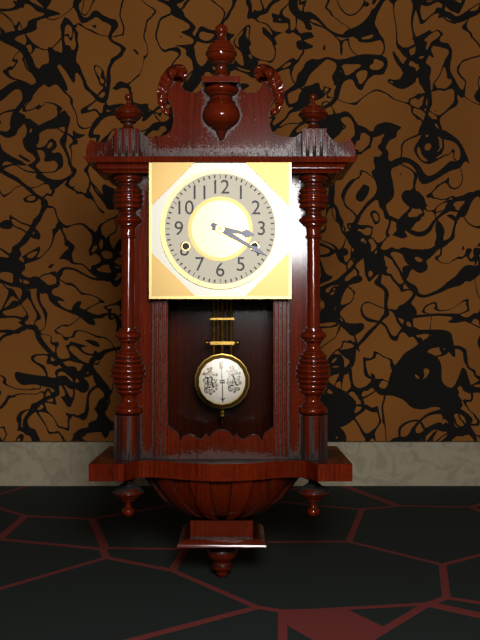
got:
**3:20**
